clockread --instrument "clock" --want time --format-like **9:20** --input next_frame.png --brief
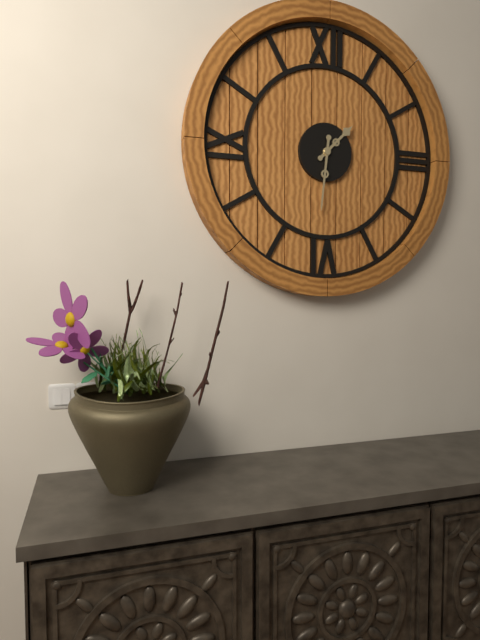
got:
**1:31**
